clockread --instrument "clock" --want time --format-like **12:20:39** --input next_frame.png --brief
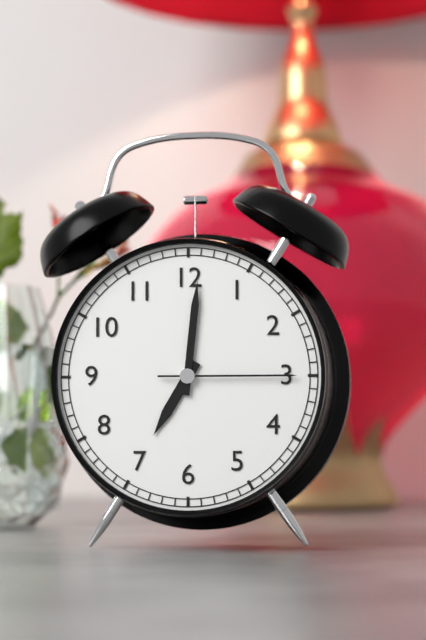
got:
**7:01:15**
